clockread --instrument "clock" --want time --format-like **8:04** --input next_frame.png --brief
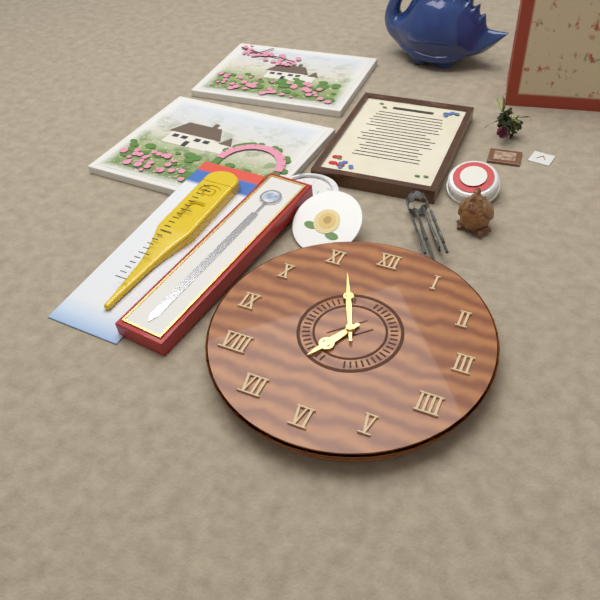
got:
**6:56**
